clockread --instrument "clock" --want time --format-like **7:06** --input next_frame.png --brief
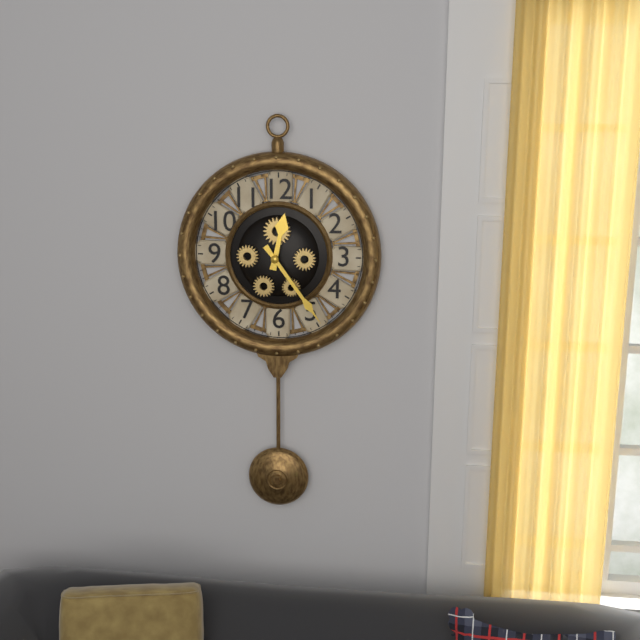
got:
**12:24**
